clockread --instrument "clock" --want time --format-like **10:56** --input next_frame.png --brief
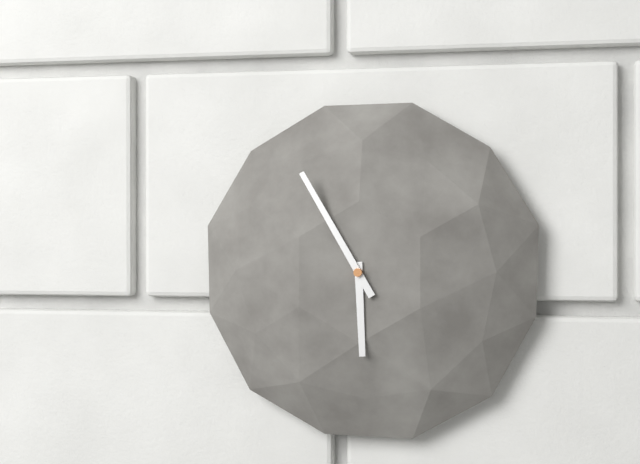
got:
**5:55**
